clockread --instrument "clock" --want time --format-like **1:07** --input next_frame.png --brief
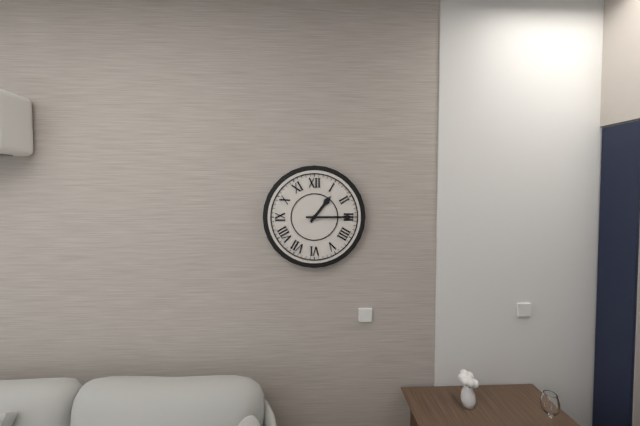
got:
**1:15**
